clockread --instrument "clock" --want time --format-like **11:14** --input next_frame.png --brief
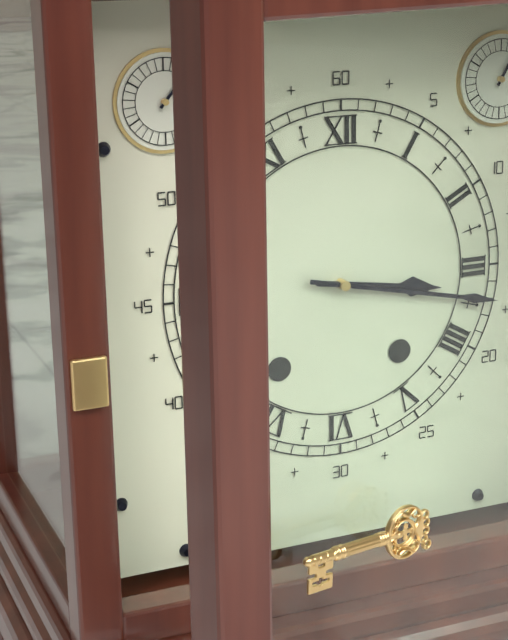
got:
**3:17**
